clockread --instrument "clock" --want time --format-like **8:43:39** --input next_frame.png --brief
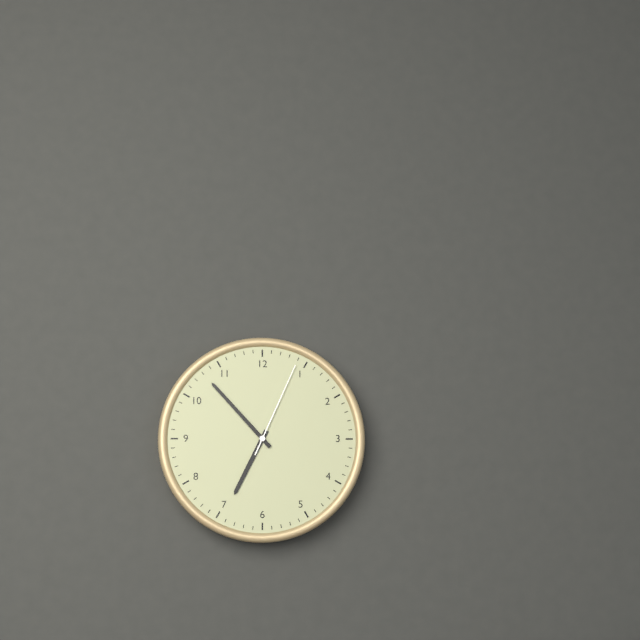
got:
**6:53:04**
